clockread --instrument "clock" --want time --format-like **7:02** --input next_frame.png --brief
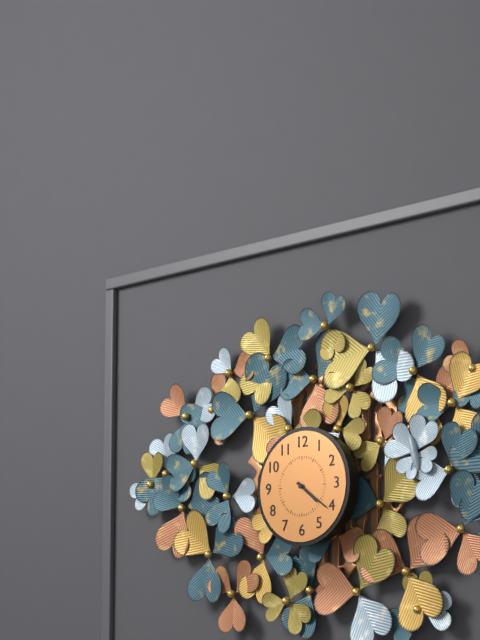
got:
**4:21**
